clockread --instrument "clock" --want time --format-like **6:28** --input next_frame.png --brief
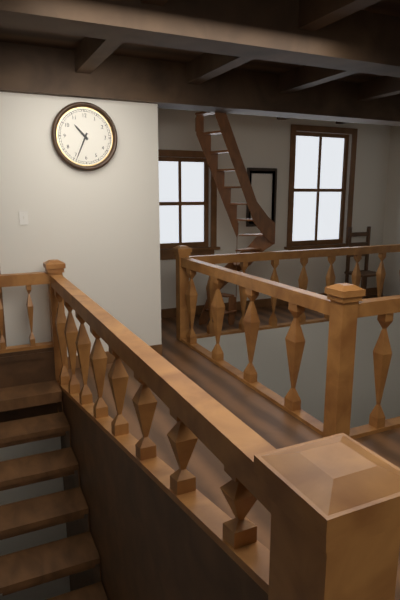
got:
**10:34**
